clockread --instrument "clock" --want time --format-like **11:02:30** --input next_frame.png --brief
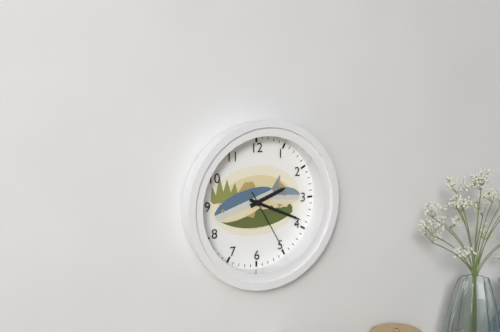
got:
**2:19:25**
